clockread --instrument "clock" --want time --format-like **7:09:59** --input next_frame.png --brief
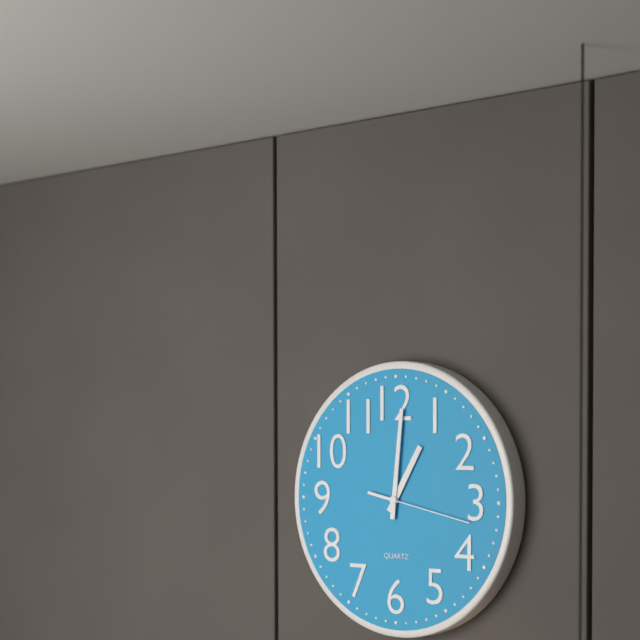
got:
**1:01:17**
